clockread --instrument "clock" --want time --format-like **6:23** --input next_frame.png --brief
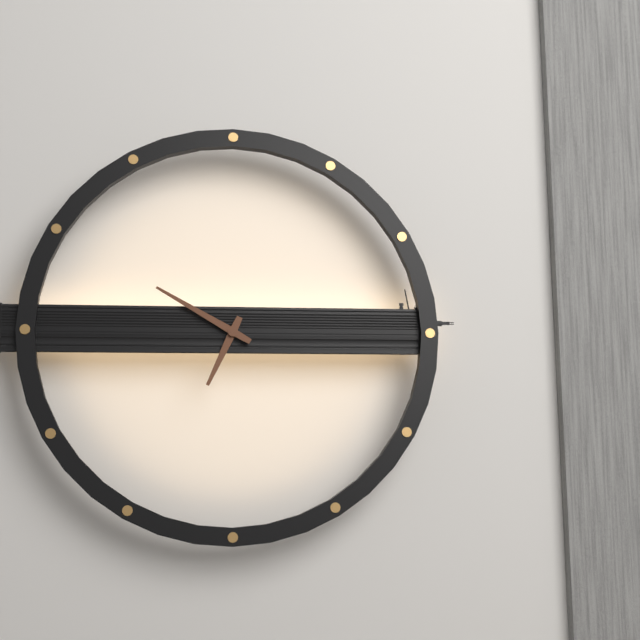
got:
**6:50**
